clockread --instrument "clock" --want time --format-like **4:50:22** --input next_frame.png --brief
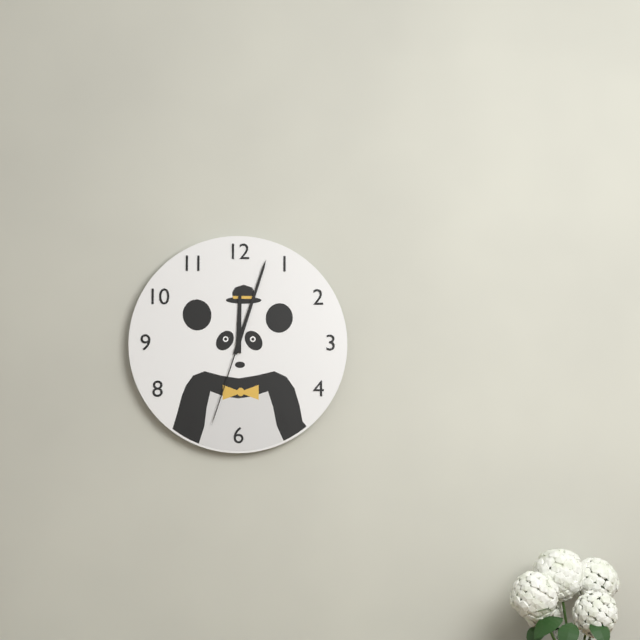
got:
**12:03:33**
